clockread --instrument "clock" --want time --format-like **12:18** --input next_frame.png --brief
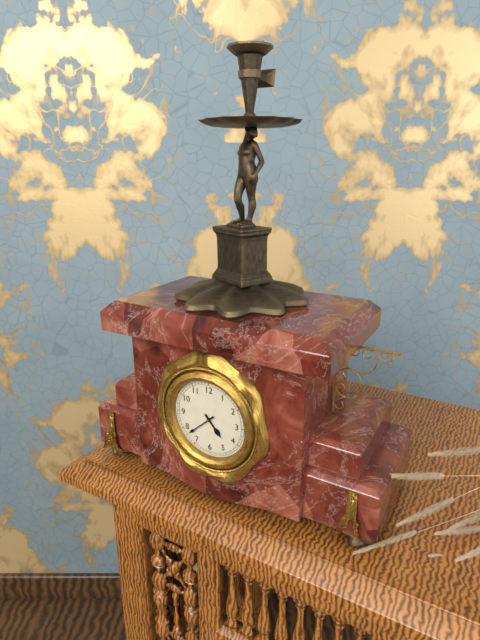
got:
**4:38**
